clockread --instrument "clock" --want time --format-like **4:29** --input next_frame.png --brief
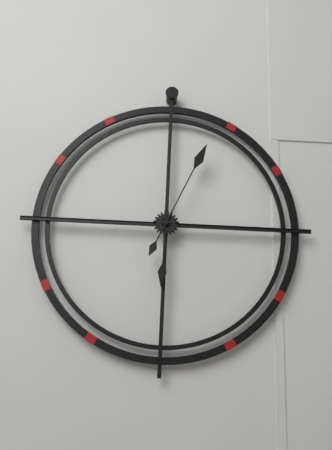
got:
**6:04**
